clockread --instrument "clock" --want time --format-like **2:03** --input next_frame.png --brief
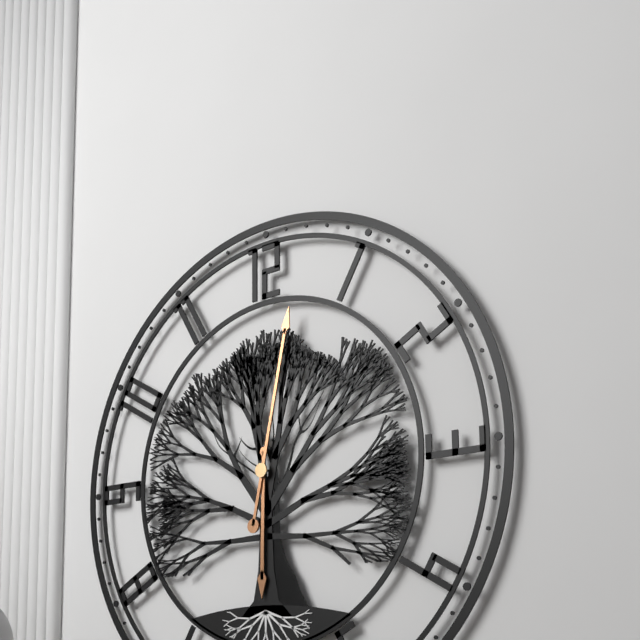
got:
**6:02**
